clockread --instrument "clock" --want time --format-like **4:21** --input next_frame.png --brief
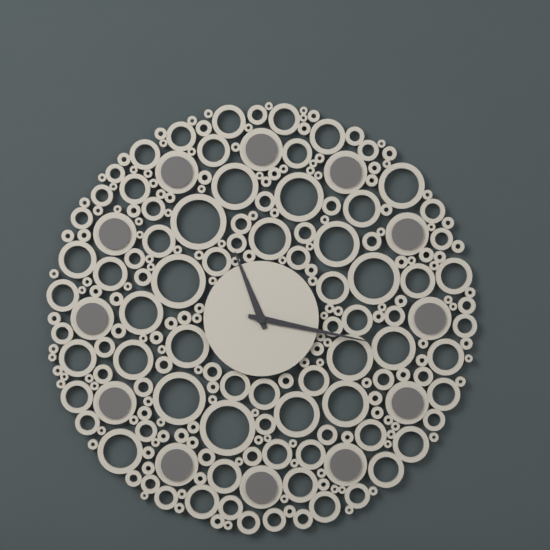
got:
**11:17**
